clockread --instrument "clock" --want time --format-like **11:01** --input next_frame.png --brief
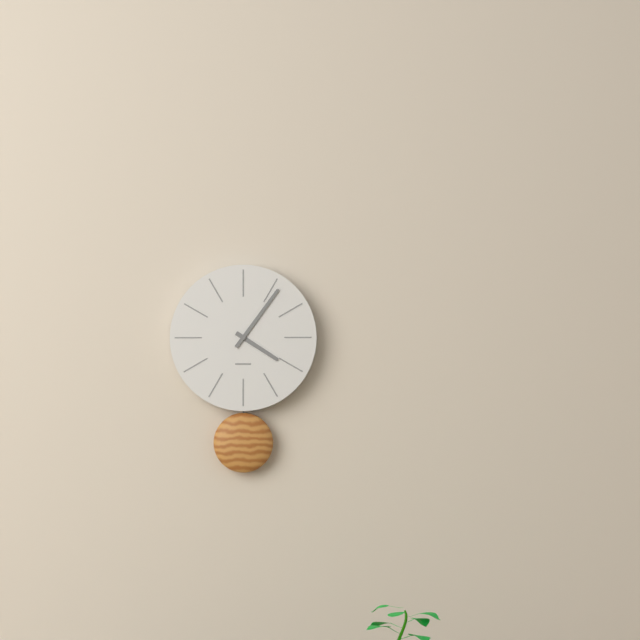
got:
**4:06**
